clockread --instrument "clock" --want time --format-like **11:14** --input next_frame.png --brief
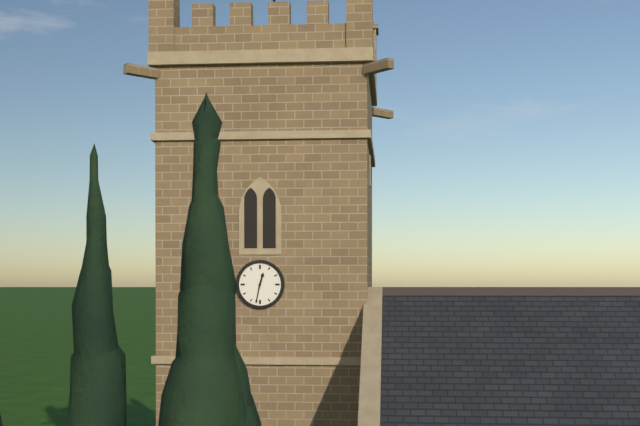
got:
**12:32**
